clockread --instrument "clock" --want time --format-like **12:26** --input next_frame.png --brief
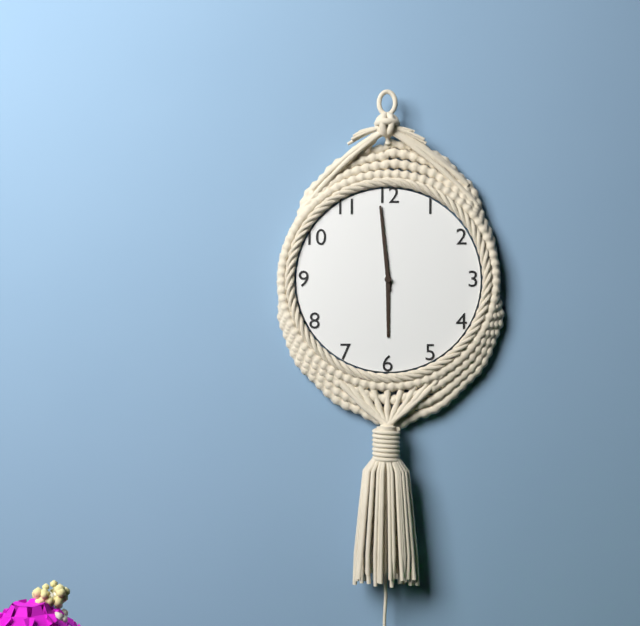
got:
**5:59**
